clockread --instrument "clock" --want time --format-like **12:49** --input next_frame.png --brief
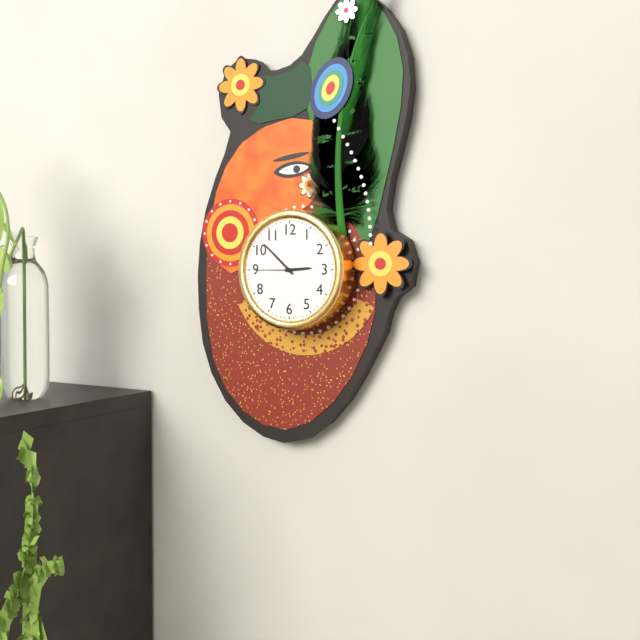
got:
**2:52**
